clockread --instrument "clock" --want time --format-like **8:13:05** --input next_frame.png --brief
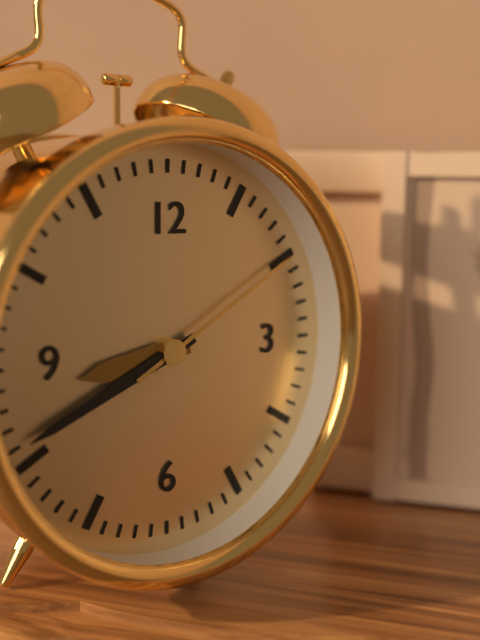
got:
**8:41:10**
